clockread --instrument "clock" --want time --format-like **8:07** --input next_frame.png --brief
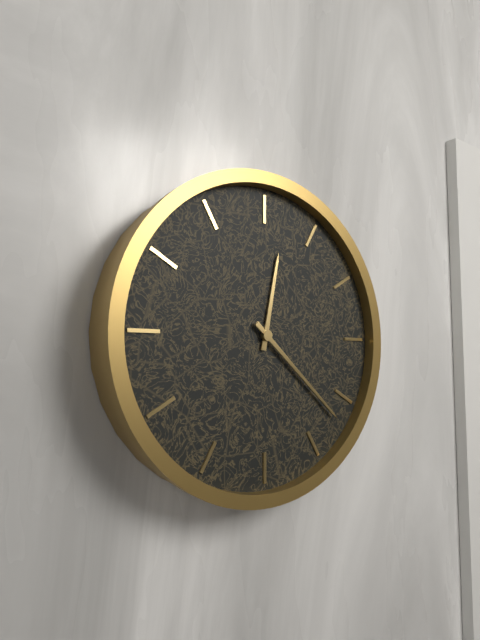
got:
**12:22**
